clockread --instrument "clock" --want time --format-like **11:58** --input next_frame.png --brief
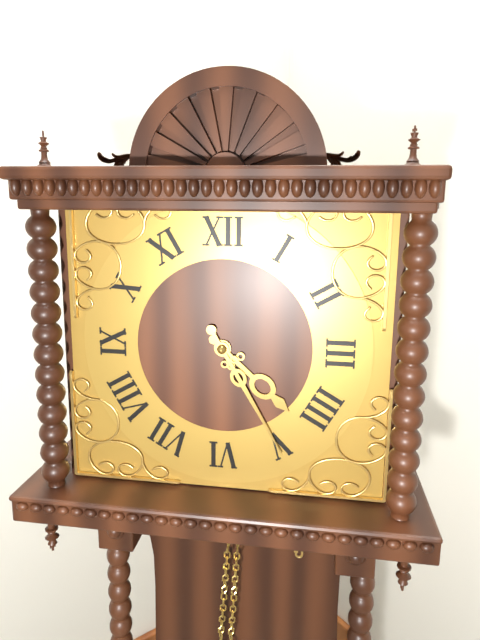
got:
**4:25**
